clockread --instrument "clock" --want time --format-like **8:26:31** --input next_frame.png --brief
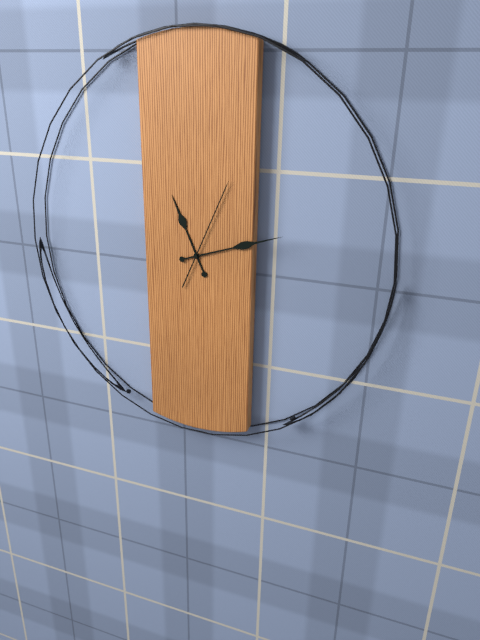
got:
**11:12:04**
